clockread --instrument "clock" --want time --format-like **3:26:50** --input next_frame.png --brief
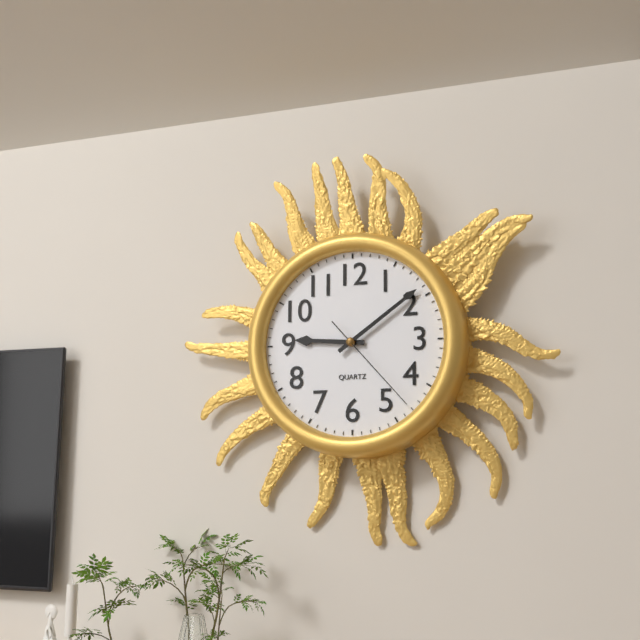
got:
**9:09:23**
